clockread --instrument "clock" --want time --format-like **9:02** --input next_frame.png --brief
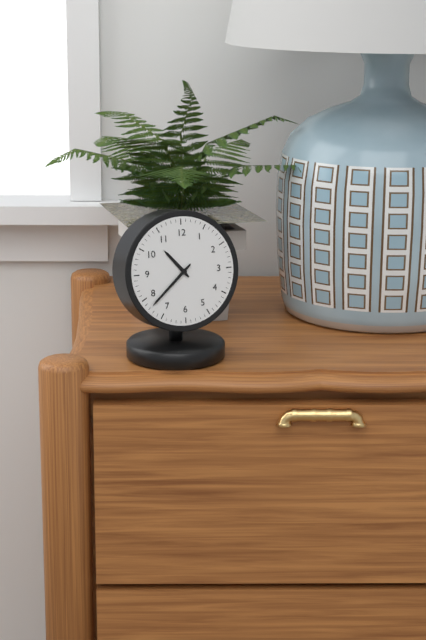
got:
**10:38**
